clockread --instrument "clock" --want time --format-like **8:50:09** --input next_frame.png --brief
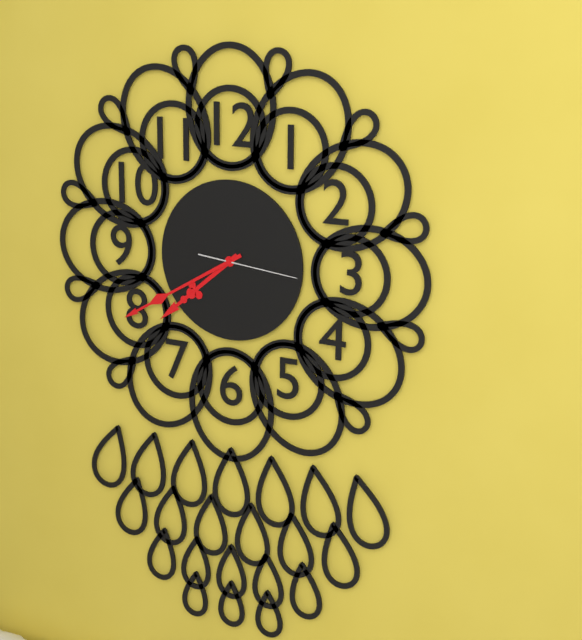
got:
**7:40:16**
